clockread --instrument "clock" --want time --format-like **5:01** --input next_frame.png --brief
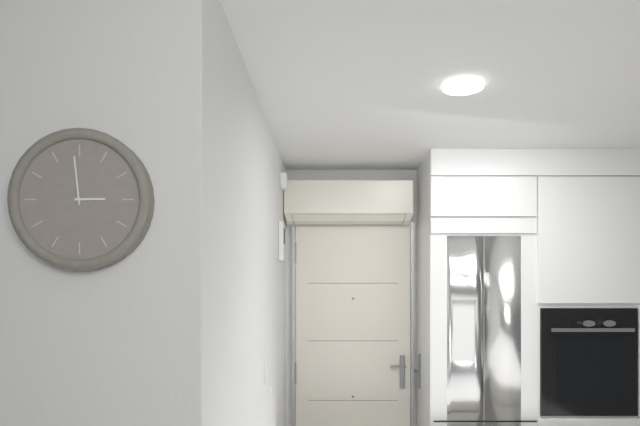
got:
**2:59**
